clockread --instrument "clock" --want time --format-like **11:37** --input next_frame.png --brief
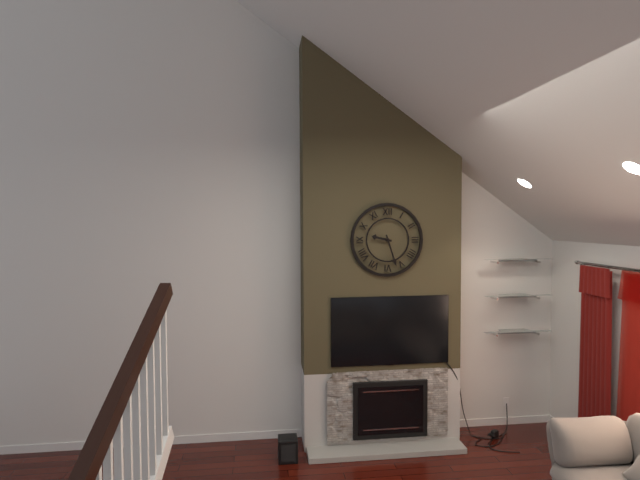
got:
**9:27**
